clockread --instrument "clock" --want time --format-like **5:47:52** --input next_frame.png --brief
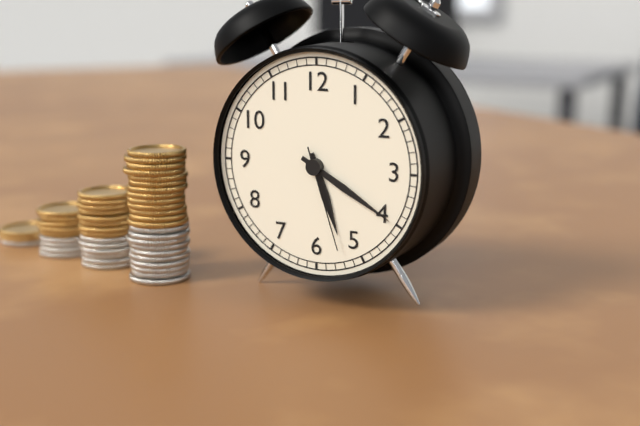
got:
**5:20:27**
